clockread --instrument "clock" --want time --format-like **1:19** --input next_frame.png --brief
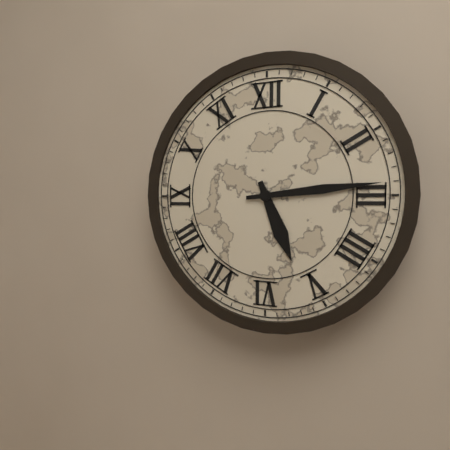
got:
**5:14**
